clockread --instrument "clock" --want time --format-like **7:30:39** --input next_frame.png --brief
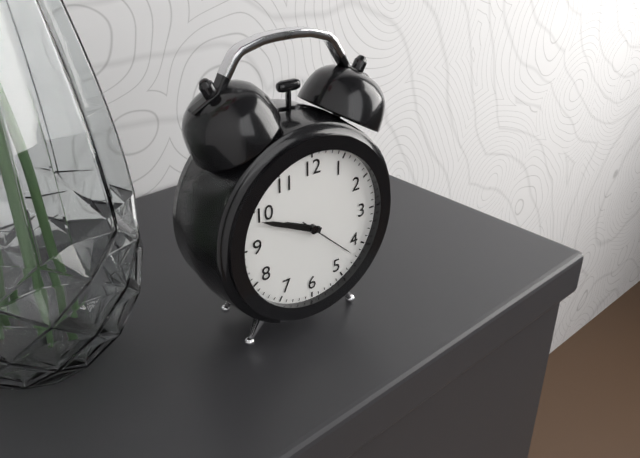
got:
**9:49:22**
